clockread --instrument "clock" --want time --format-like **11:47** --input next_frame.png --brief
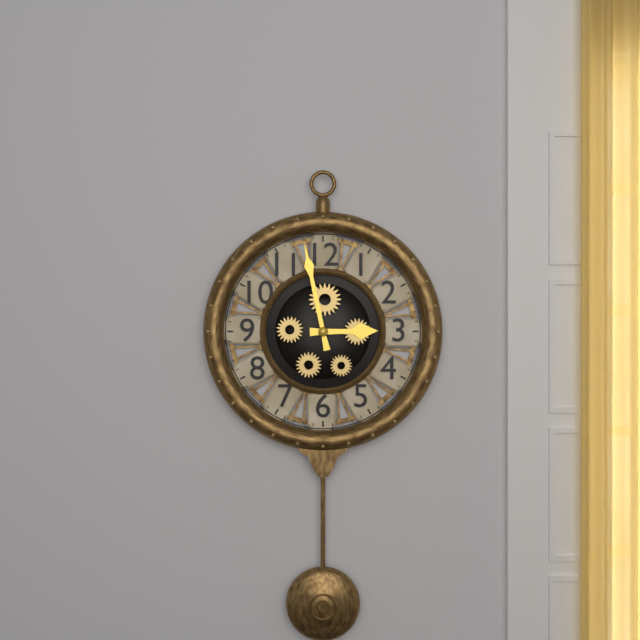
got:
**2:58**
